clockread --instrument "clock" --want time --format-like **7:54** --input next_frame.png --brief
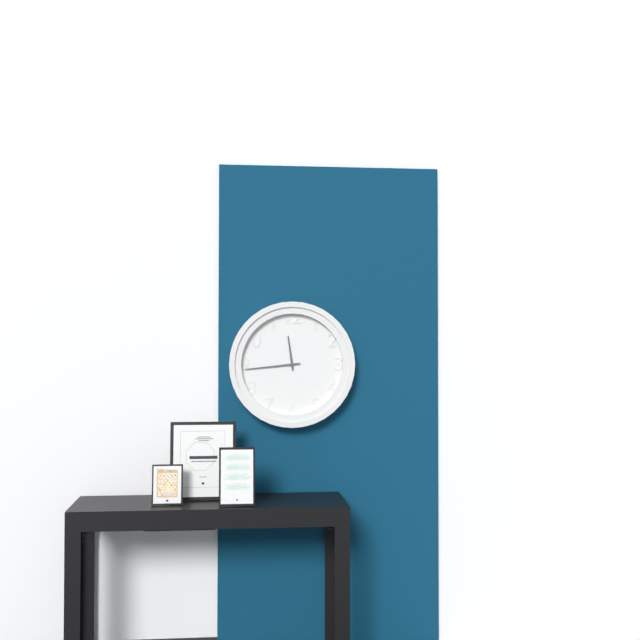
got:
**11:44**
